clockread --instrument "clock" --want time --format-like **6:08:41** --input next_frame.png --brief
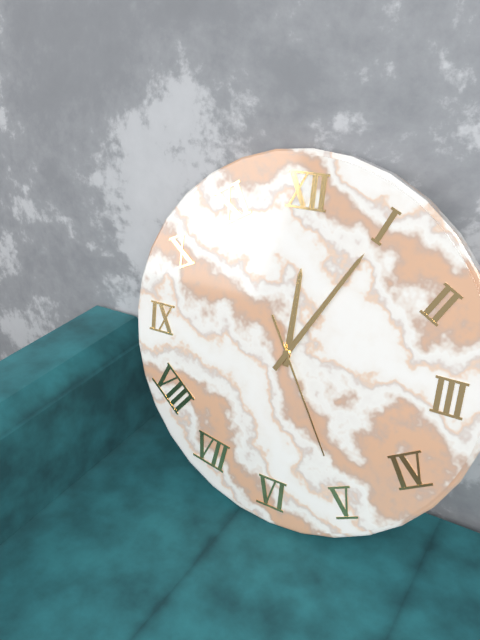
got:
**12:05:25**
